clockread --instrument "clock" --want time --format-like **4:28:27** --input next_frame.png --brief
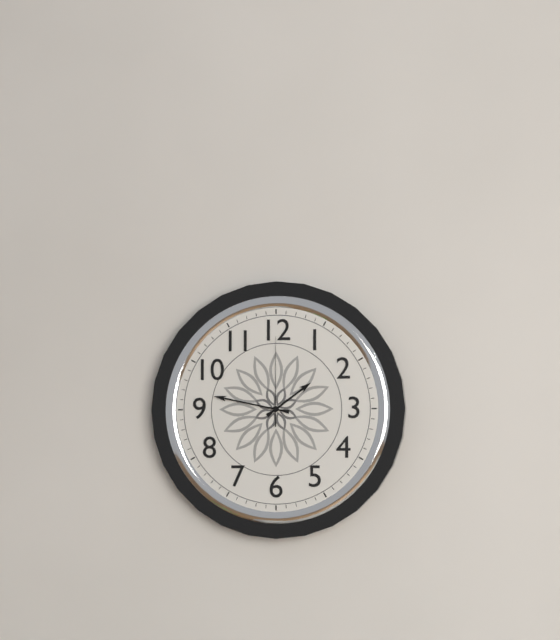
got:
**1:47:00**
